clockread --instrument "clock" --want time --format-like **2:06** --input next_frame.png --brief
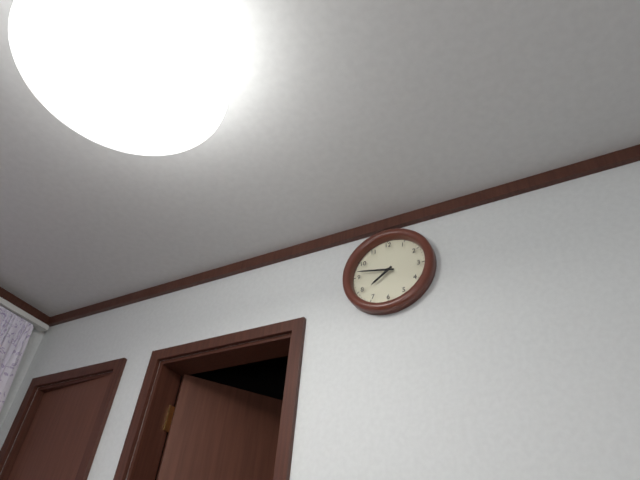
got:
**7:47**
